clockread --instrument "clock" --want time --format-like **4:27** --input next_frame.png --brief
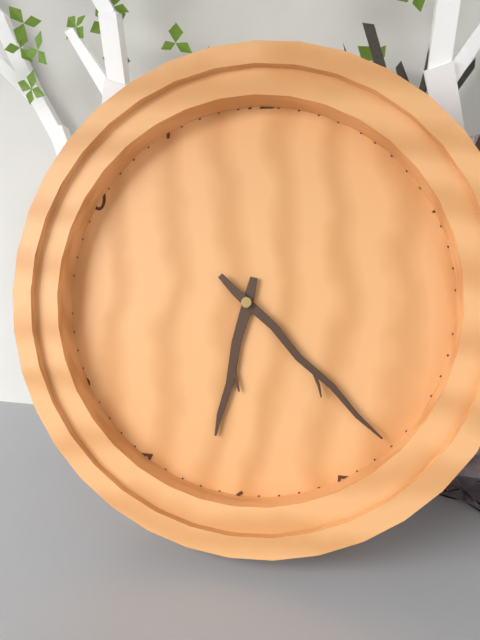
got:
**6:22**
